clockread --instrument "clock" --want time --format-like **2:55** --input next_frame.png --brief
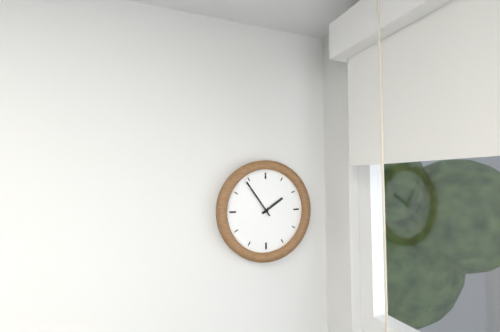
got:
**1:54**
